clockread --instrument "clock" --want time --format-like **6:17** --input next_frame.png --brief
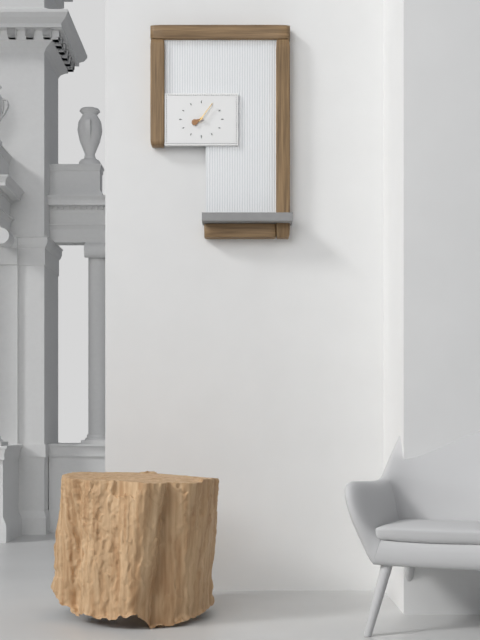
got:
**8:06**
